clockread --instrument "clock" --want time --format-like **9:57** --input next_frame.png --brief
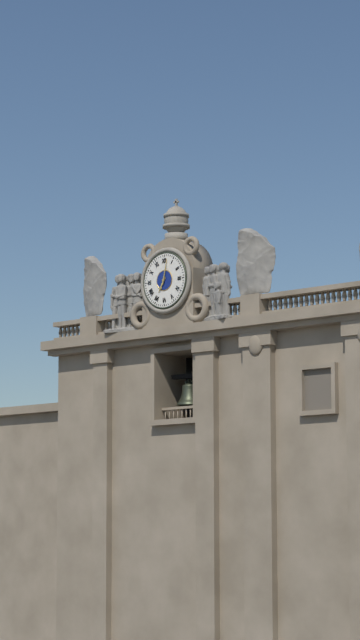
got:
**7:02**
